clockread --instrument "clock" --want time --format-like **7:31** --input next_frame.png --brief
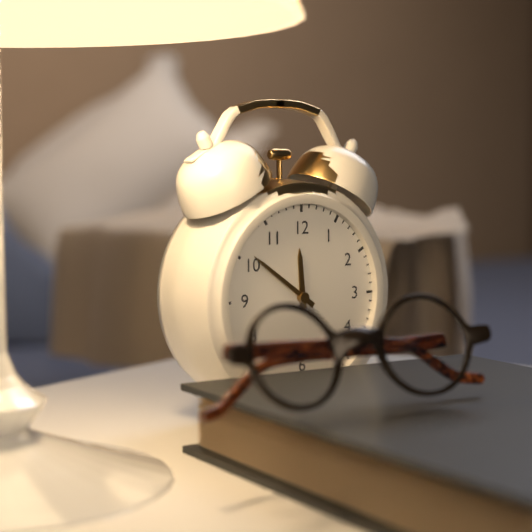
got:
**11:51**
